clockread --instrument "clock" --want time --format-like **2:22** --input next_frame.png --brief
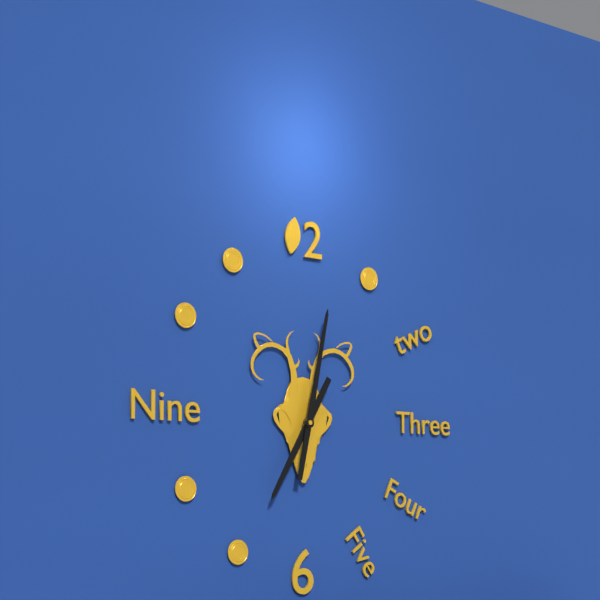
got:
**7:02**
